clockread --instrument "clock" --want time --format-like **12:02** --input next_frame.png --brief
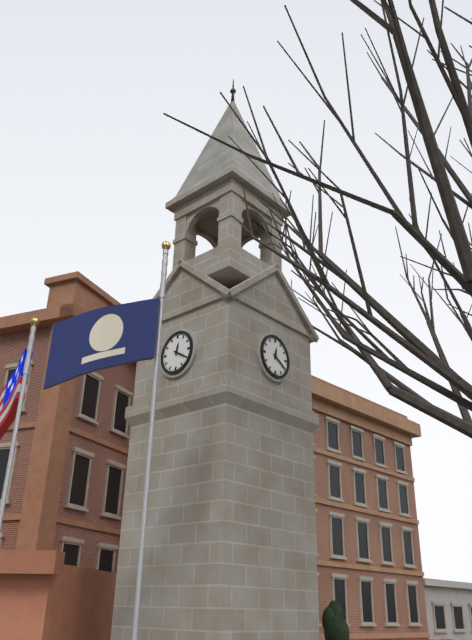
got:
**12:20**
